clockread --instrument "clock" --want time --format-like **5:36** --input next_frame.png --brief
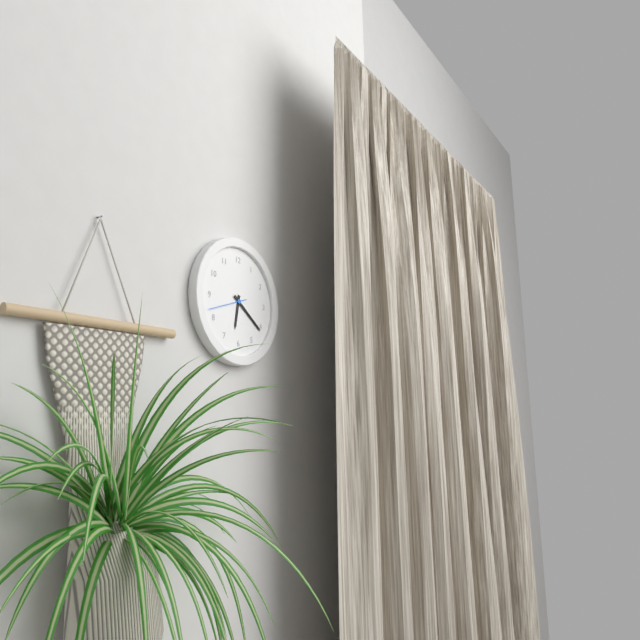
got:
**6:21**
